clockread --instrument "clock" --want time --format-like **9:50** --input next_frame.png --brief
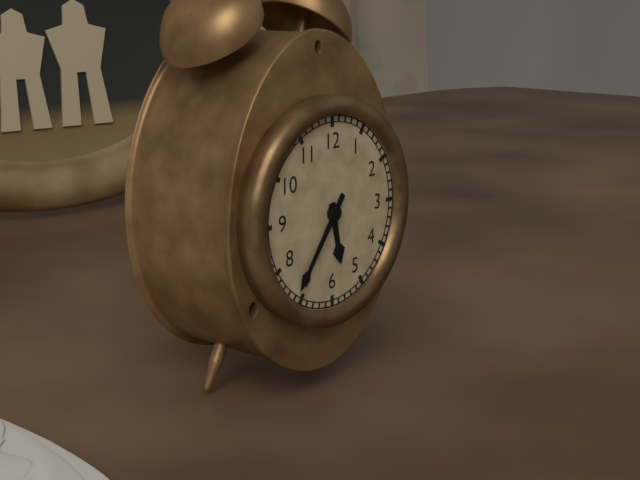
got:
**5:36**
